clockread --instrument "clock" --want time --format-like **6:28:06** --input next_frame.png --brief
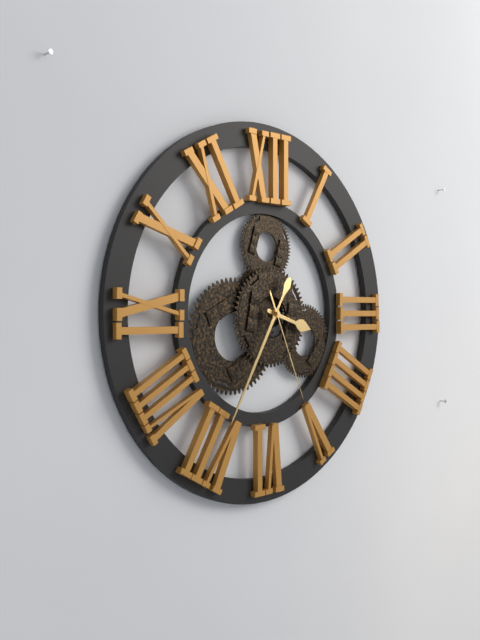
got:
**3:35:26**
